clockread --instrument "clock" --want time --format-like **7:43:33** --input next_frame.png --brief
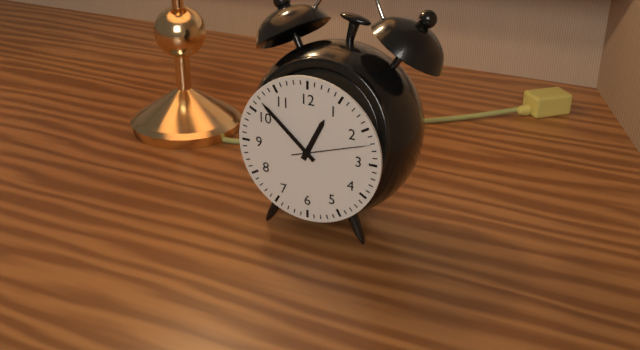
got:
**12:52:12**
